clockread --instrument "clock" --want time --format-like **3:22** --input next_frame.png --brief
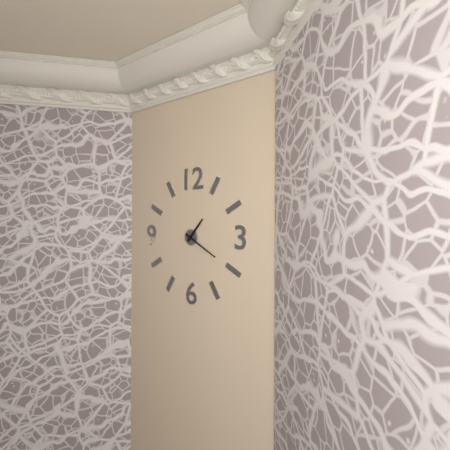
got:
**1:20**
